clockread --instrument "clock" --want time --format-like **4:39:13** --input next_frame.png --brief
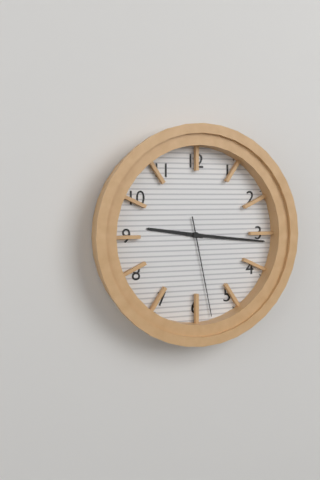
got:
**9:16:28**
